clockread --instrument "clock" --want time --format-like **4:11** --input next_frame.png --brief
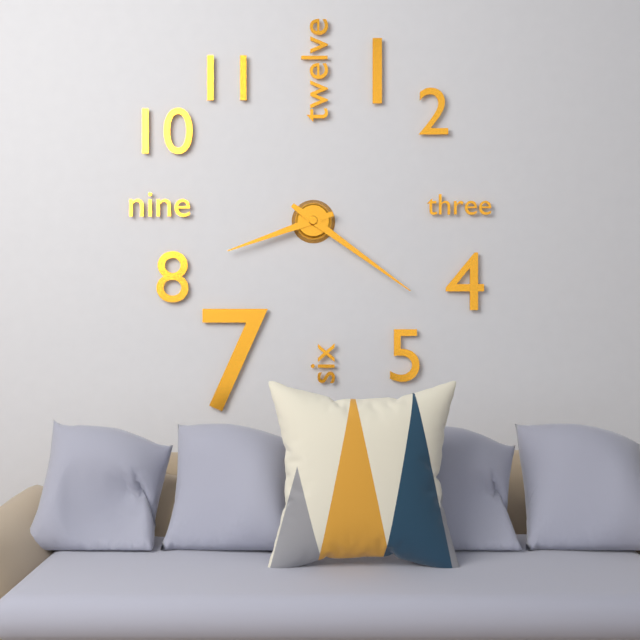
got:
**8:21**
